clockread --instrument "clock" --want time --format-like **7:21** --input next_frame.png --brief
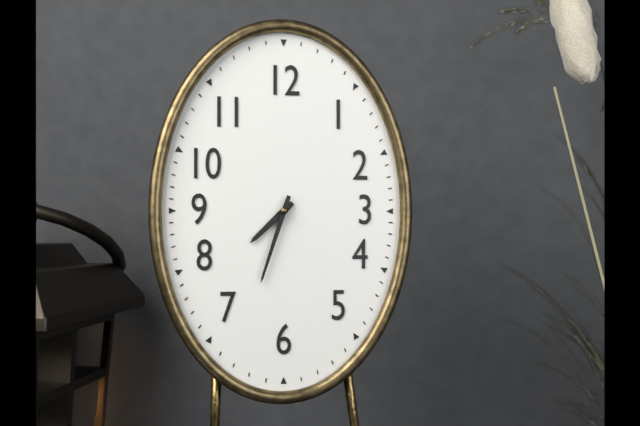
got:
**7:33**
